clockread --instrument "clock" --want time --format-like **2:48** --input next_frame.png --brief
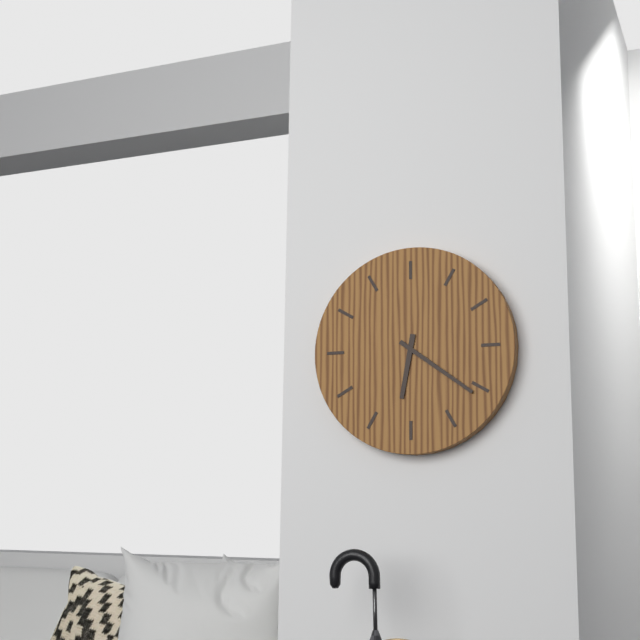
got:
**6:21**
